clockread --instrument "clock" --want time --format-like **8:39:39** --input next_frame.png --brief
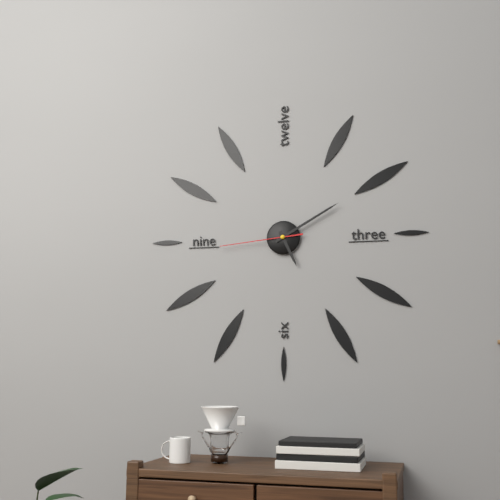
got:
**5:10:44**
